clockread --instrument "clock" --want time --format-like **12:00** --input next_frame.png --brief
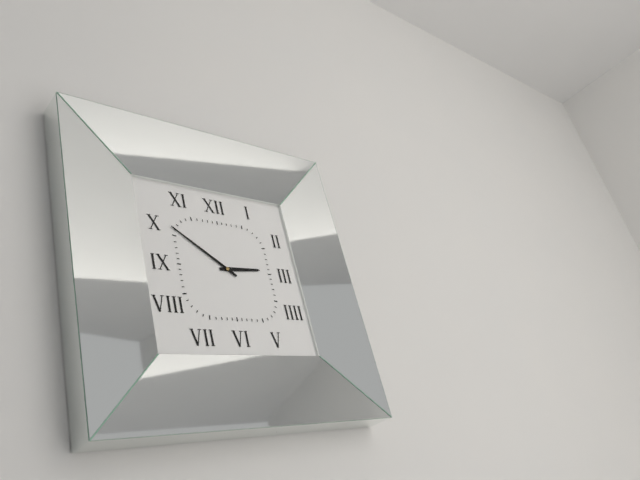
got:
**2:51**
